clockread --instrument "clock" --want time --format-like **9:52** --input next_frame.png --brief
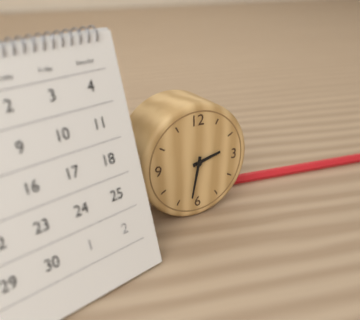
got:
**2:32**
